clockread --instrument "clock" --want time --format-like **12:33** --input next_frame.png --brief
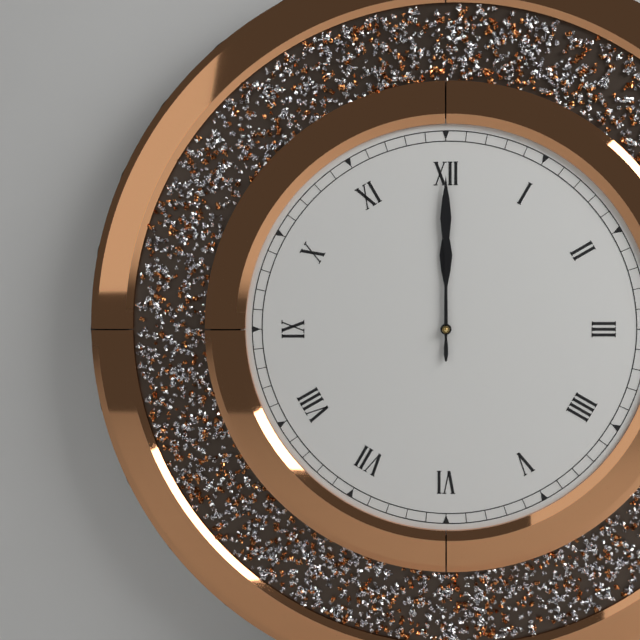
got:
**12:00**
